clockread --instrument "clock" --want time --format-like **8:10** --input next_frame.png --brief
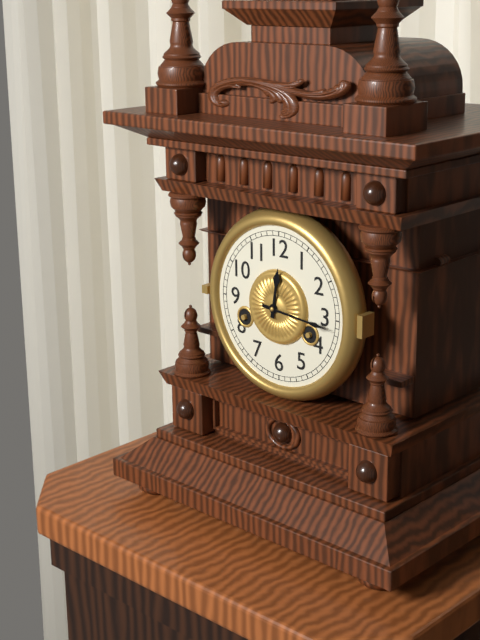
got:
**12:16**
